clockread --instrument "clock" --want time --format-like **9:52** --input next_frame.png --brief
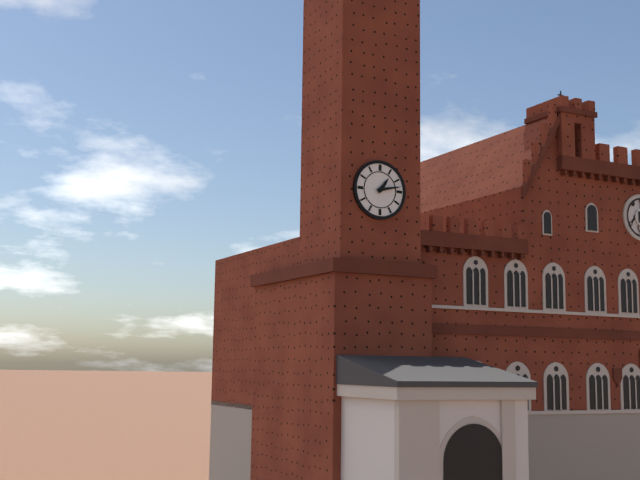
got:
**1:13**
